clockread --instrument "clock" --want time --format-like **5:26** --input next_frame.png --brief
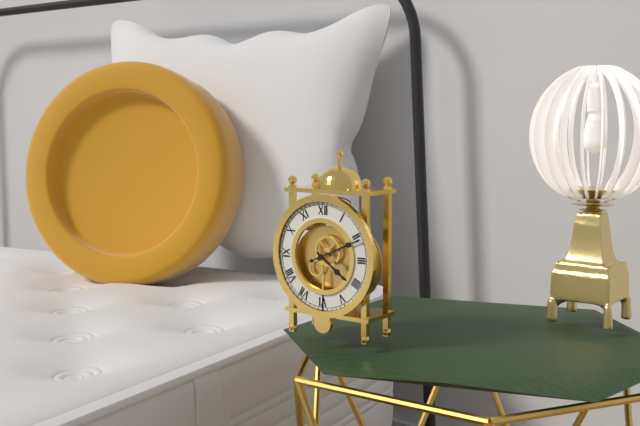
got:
**4:11**
